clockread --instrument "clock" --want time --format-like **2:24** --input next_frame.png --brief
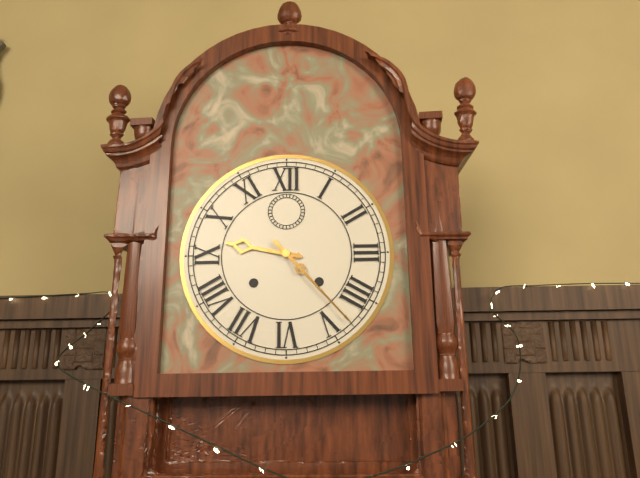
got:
**9:23**
